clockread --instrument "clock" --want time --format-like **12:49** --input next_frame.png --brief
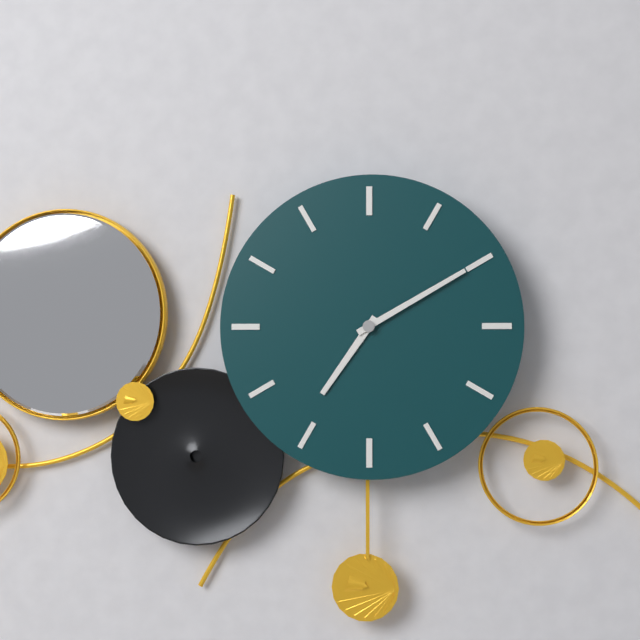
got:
**7:10**
